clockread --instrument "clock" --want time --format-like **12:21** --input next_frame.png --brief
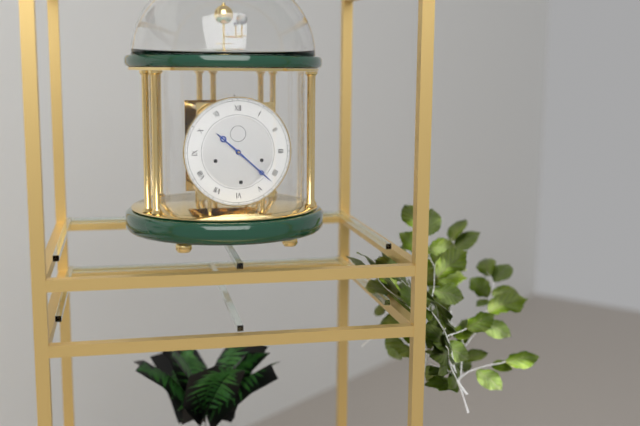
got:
**10:22**
